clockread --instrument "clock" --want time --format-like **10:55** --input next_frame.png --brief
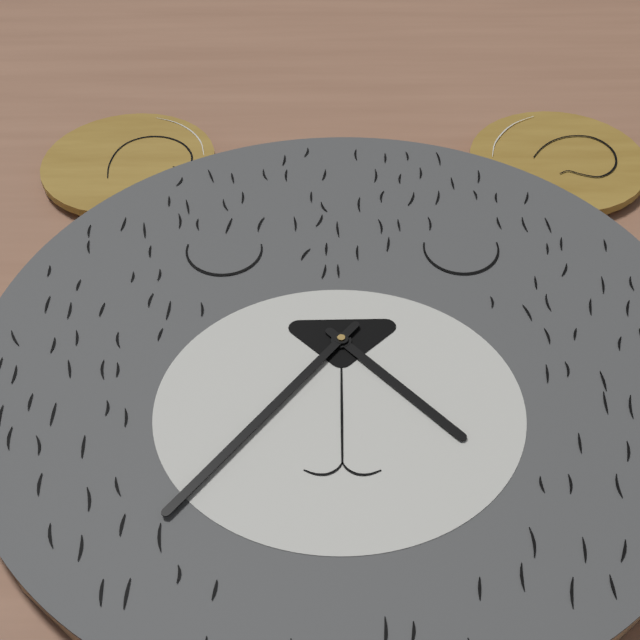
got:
**4:36**
